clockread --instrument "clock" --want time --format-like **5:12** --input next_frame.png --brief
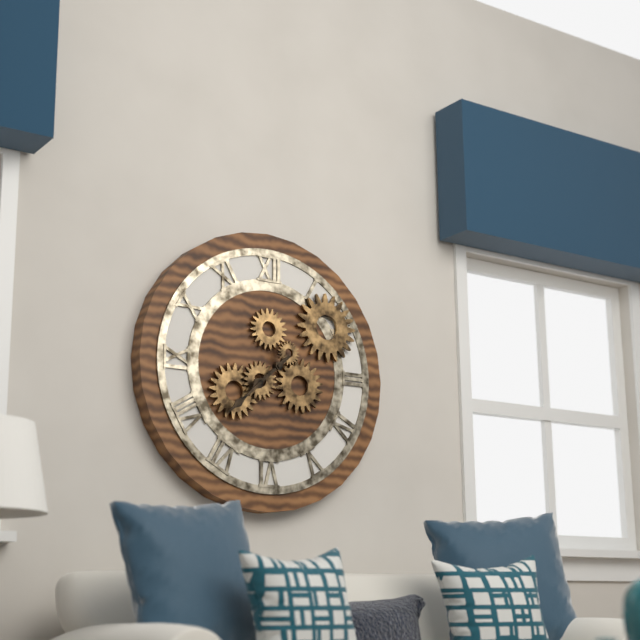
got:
**7:38**
